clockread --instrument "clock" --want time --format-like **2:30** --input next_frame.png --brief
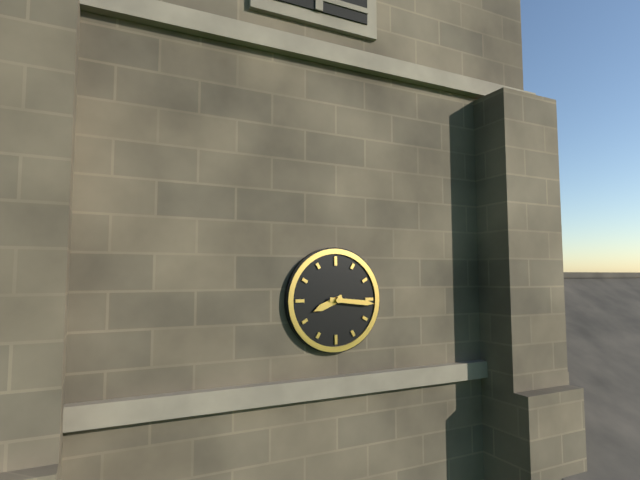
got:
**8:16**
